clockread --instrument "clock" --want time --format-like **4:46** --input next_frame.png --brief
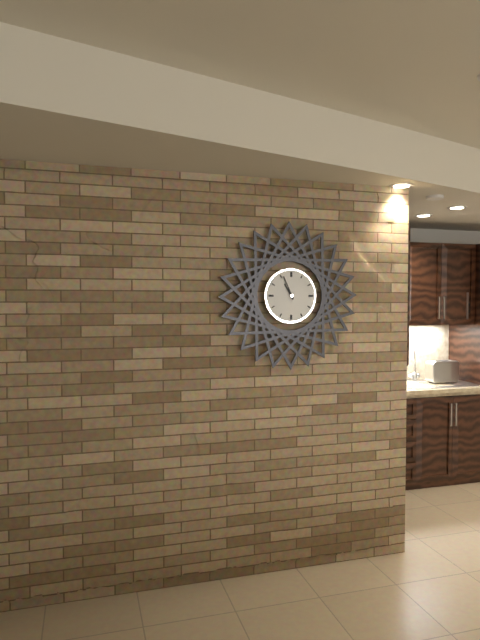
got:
**10:56**
